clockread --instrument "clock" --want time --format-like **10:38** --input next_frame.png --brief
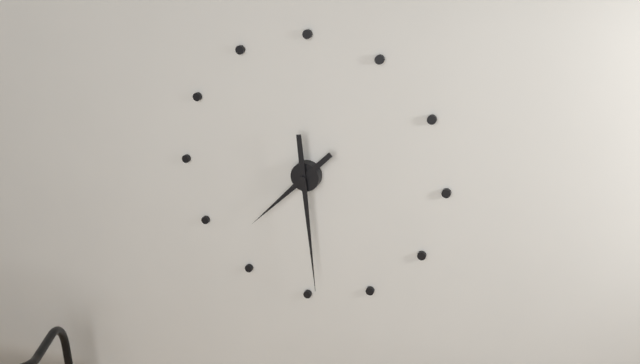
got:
**7:29**
